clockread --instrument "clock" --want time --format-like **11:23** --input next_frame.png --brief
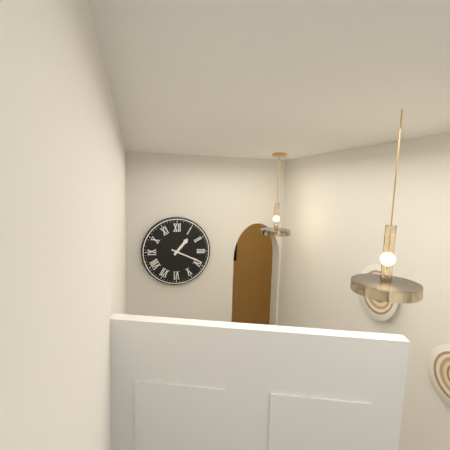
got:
**1:19**
